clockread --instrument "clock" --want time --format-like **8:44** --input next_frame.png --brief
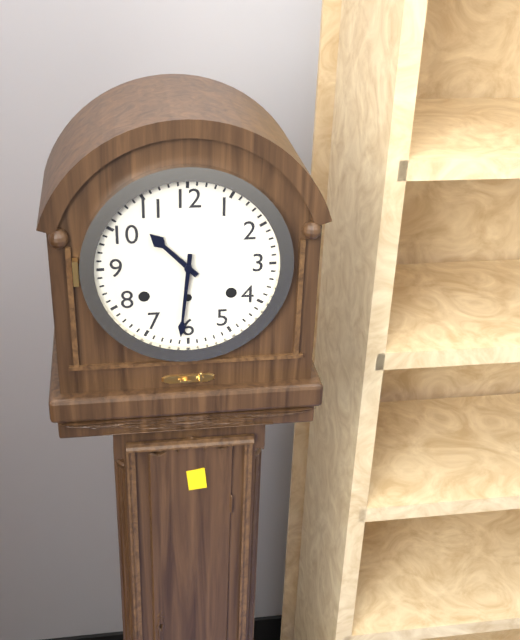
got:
**10:31**
